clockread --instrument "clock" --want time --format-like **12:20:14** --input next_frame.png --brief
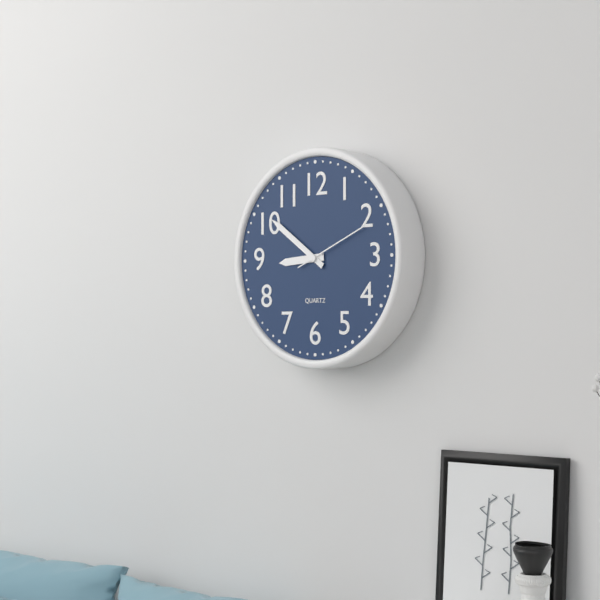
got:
**8:51:11**
